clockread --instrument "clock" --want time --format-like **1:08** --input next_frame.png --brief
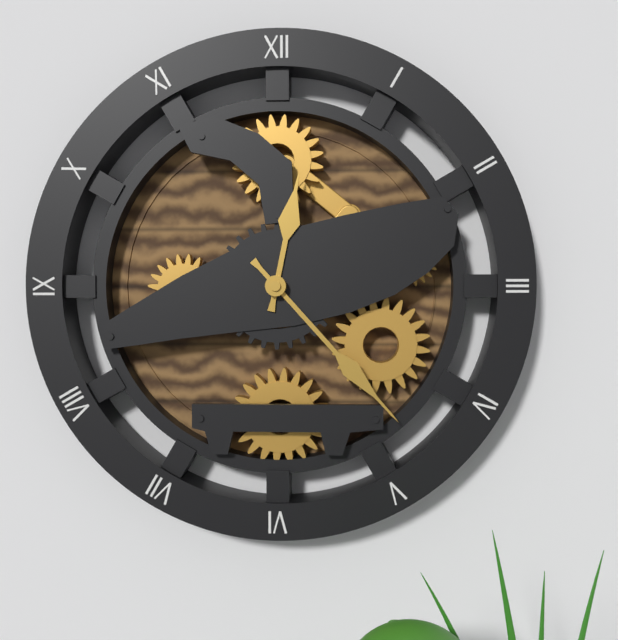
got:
**12:23**
